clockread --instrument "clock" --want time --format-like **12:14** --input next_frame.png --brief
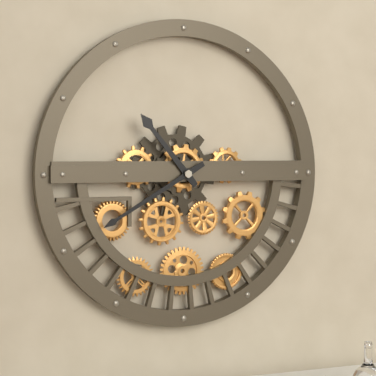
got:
**10:40**
